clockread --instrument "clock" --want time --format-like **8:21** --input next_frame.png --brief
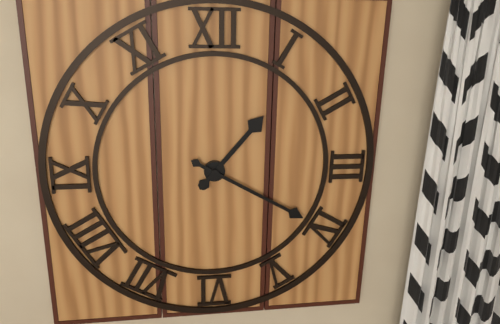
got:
**1:20**
